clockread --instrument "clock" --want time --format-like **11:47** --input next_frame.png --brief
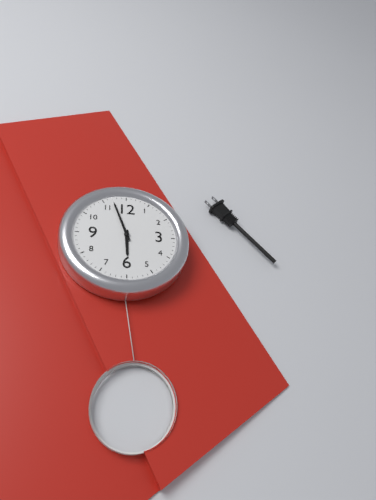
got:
**5:57**
